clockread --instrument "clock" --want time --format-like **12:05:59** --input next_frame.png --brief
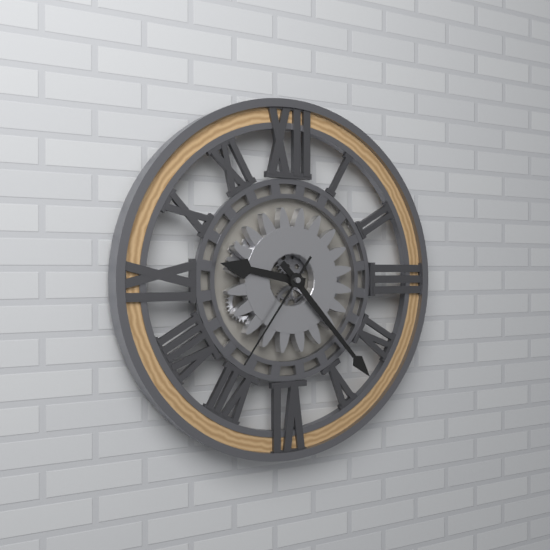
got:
**9:23:36**
